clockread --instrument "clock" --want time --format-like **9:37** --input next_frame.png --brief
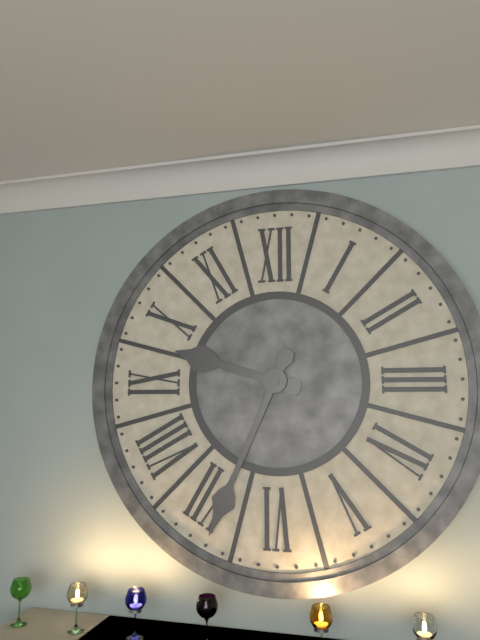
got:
**9:34**
